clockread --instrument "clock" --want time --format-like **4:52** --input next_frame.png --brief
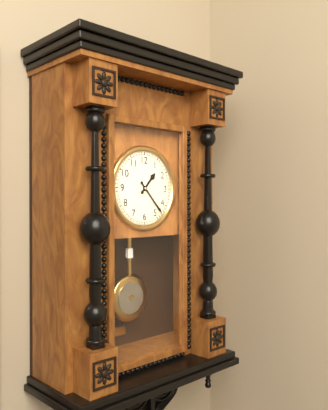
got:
**1:23**
